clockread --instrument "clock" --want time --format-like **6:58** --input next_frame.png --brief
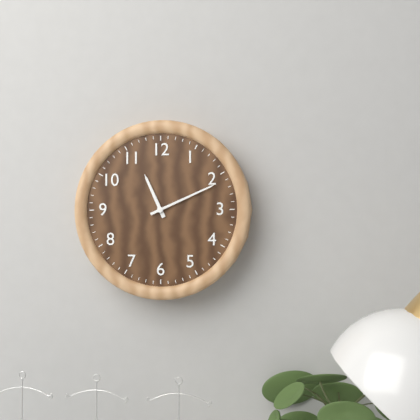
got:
**11:11**
